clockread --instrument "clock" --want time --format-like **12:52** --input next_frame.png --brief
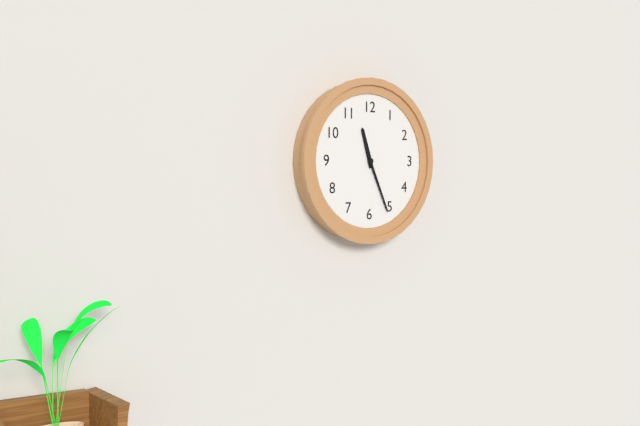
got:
**11:26**
